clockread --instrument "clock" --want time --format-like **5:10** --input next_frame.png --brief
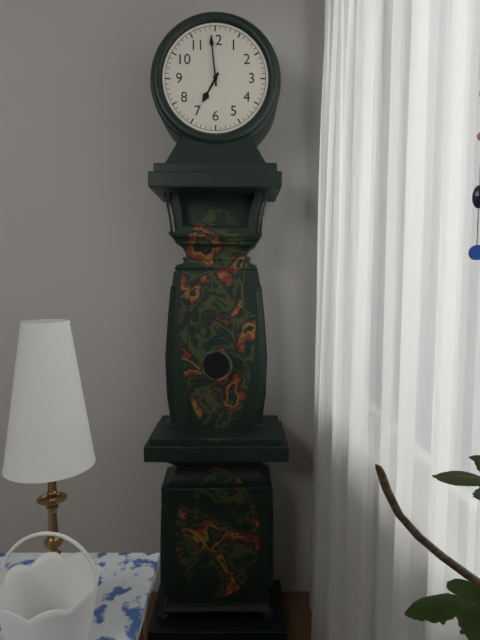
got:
**6:59**
